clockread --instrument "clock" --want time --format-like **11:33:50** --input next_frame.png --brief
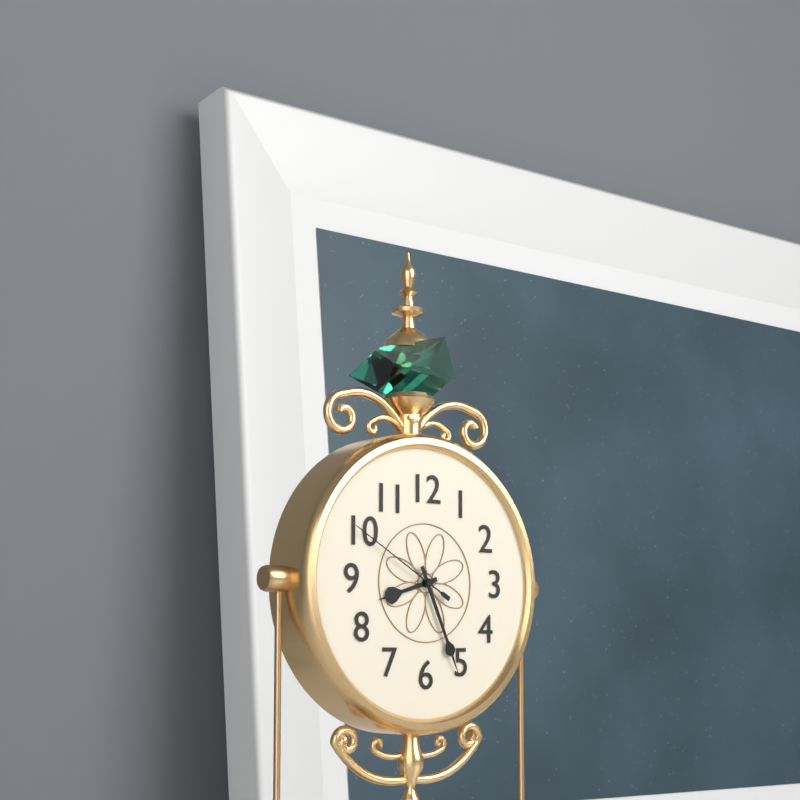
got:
**8:26:50**
